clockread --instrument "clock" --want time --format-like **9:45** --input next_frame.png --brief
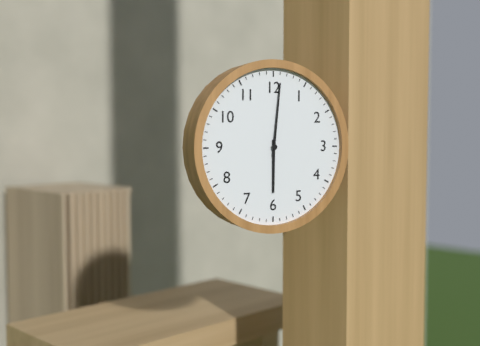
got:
**6:01**
